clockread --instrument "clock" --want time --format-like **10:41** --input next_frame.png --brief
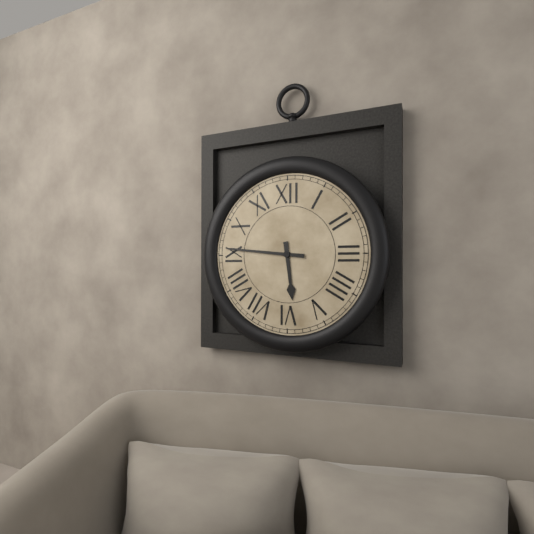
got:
**5:46**
